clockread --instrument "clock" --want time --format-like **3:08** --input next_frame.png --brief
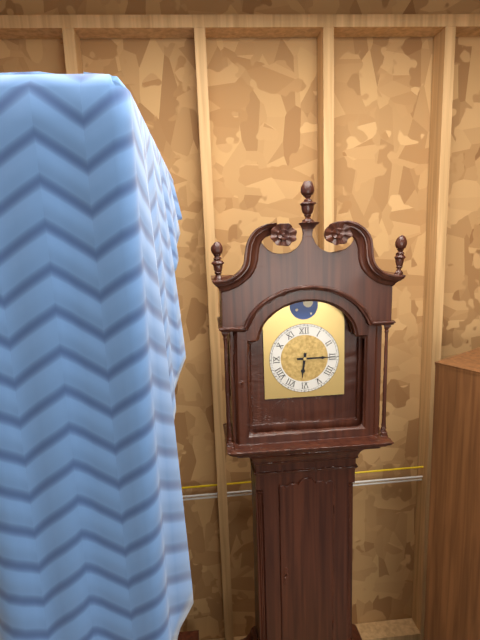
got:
**6:15**
